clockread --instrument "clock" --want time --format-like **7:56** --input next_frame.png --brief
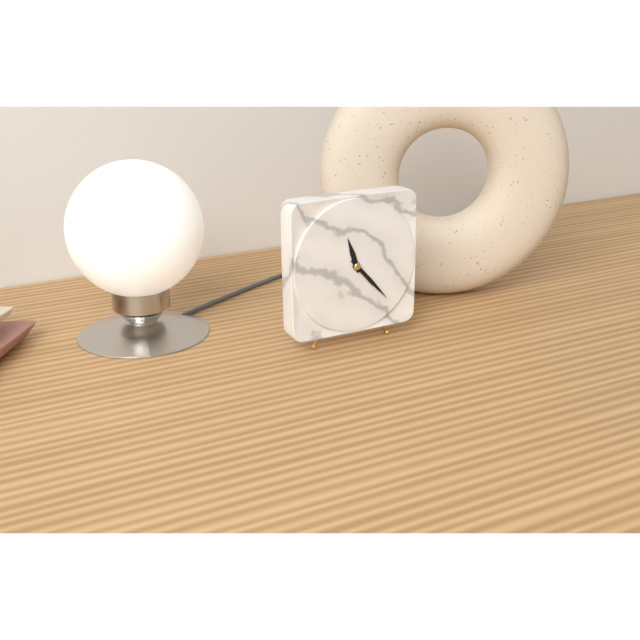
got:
**11:23**
